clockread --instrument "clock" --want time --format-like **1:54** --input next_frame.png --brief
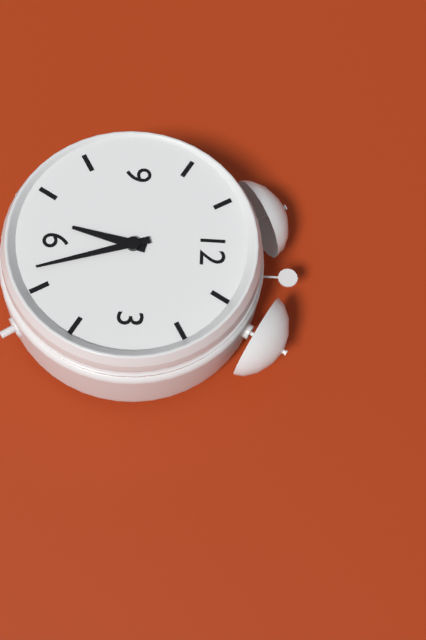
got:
**6:27**
